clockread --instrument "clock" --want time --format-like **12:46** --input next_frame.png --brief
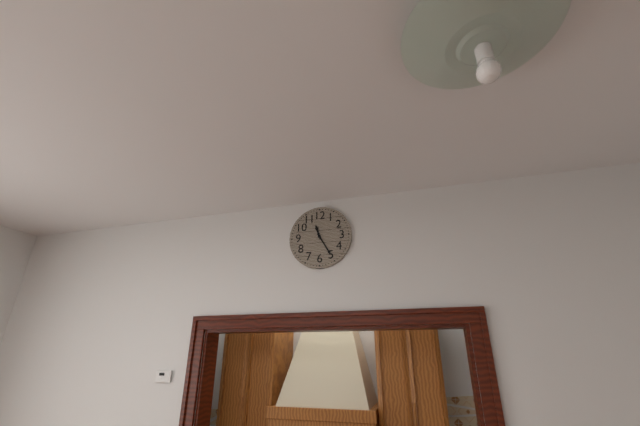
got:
**11:25**
